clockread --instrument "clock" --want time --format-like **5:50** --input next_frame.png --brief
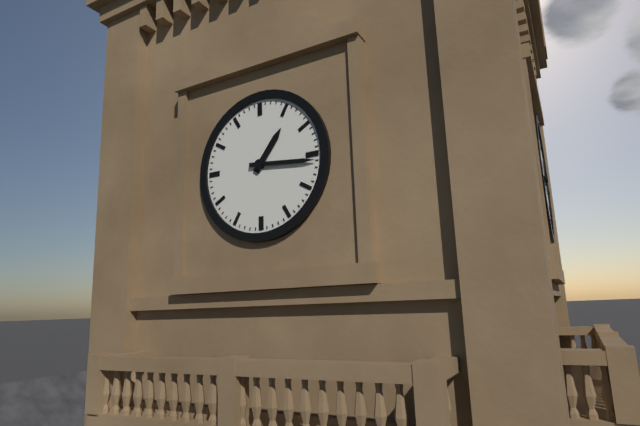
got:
**1:16**
